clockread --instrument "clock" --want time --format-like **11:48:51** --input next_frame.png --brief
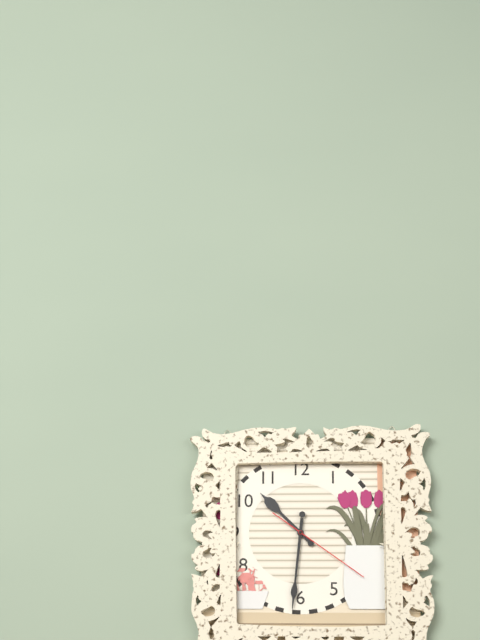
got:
**10:31:21**
